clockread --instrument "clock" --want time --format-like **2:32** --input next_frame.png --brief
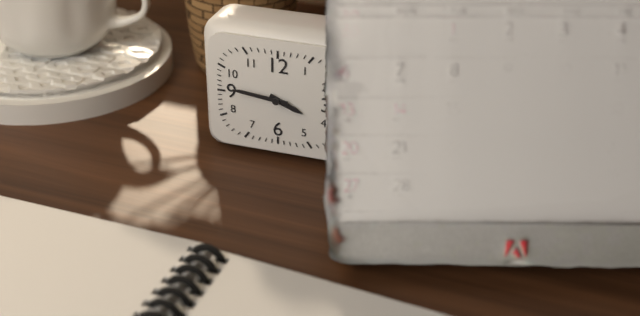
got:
**3:46**
